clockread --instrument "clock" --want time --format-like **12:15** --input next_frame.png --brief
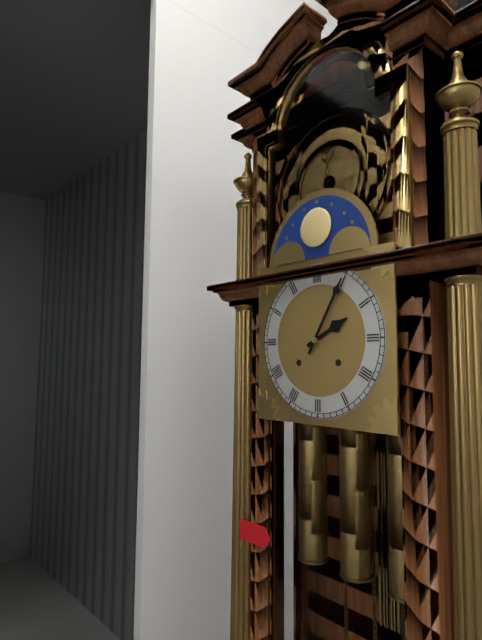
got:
**2:05**
